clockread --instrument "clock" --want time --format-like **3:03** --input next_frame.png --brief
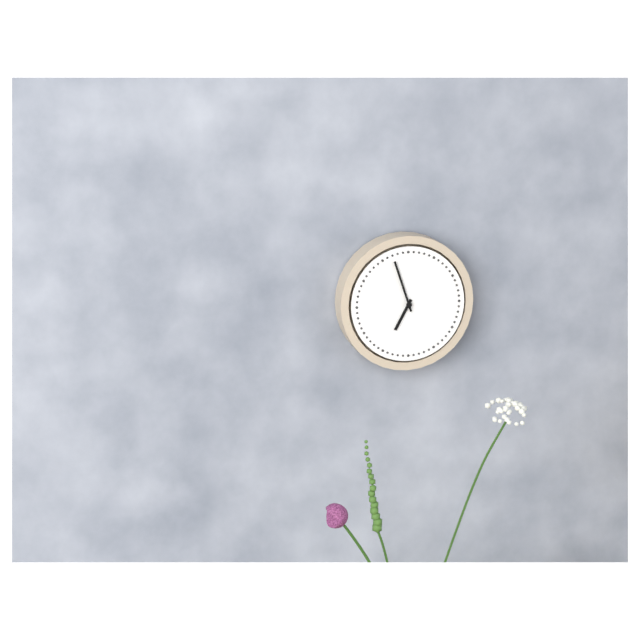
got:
**6:57**
